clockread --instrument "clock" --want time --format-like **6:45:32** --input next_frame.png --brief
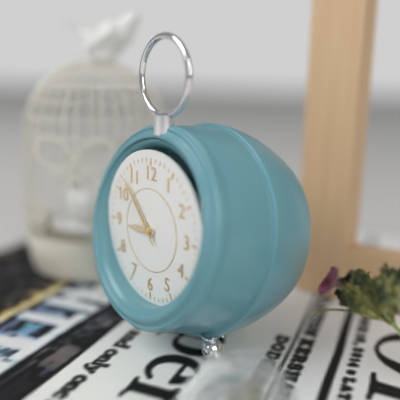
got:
**8:53:53**
